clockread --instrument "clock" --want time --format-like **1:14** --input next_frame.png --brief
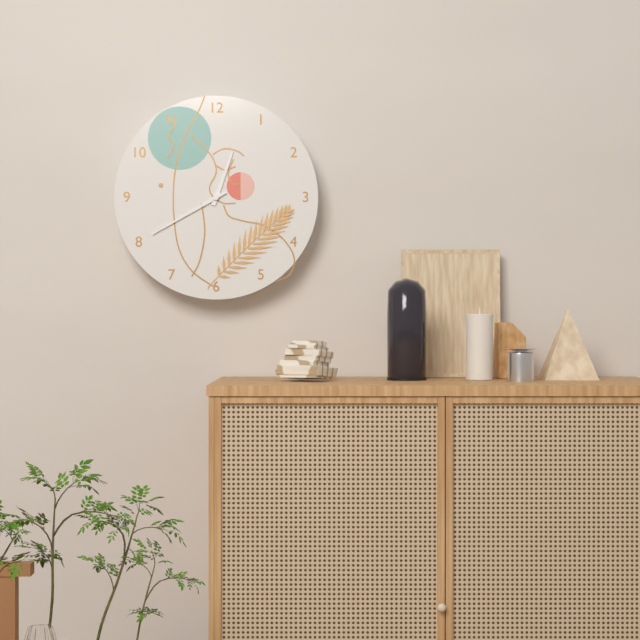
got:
**12:40**
